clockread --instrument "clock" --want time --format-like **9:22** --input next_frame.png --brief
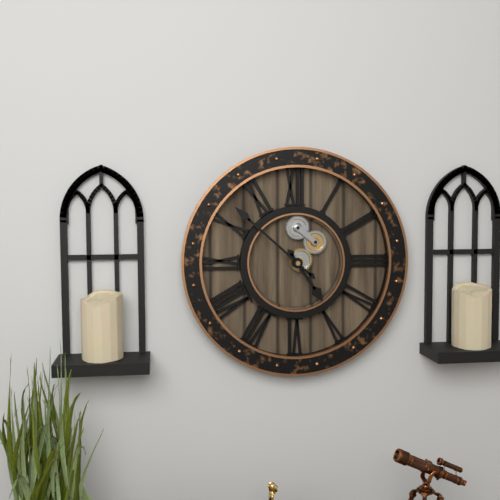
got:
**4:52**
